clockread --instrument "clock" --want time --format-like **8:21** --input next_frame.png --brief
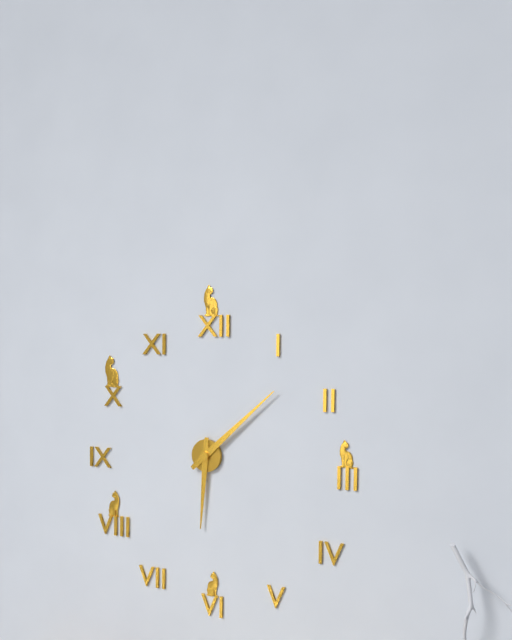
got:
**6:08**
